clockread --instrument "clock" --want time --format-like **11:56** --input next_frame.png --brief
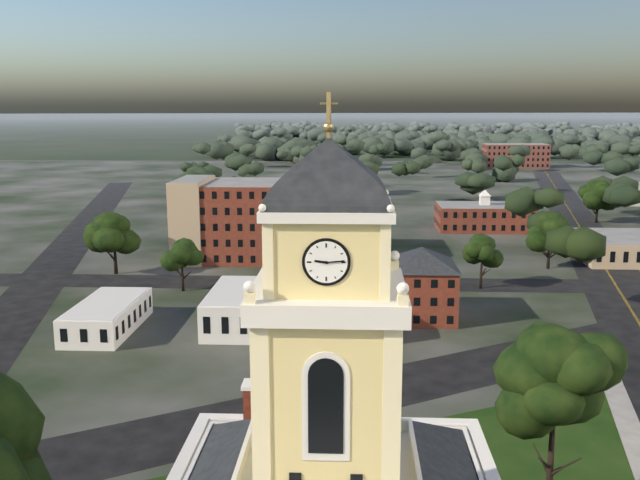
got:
**9:14**
